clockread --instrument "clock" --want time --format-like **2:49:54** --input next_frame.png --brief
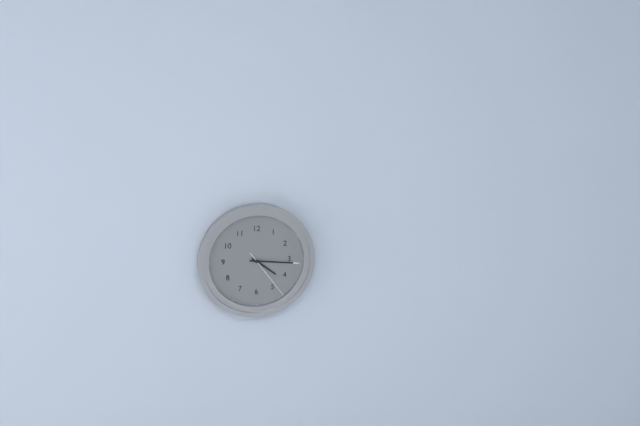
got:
**4:16:24**
